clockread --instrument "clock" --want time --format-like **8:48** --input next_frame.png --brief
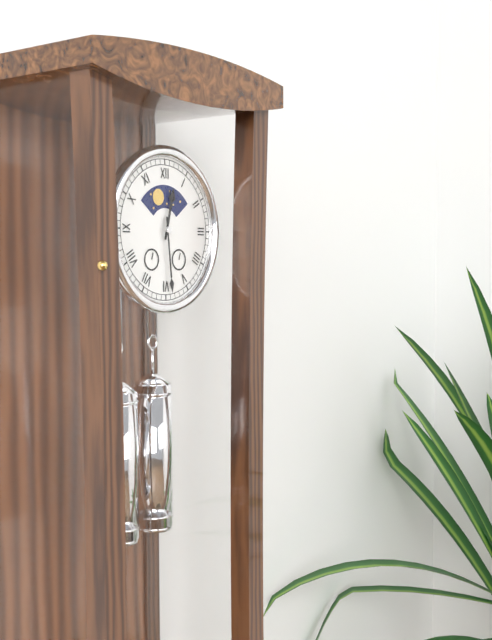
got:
**12:29**
